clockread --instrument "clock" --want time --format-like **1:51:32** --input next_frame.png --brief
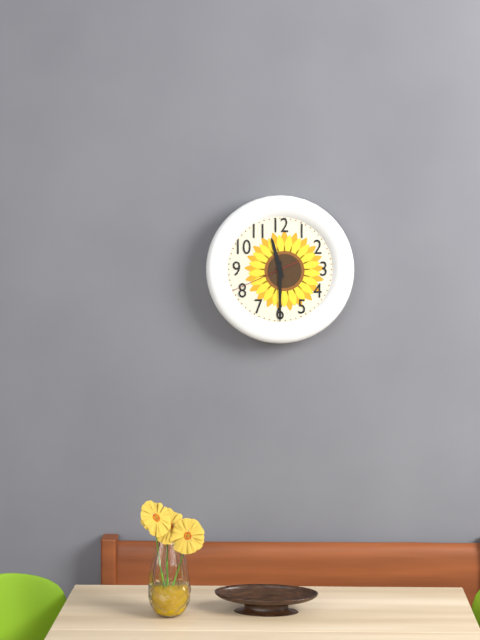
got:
**11:30:41**
